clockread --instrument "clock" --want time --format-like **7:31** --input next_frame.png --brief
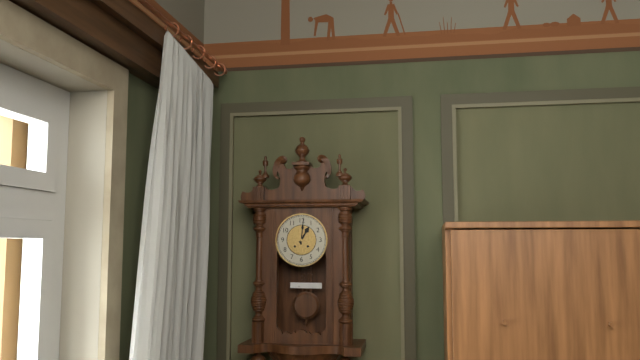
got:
**1:01**
